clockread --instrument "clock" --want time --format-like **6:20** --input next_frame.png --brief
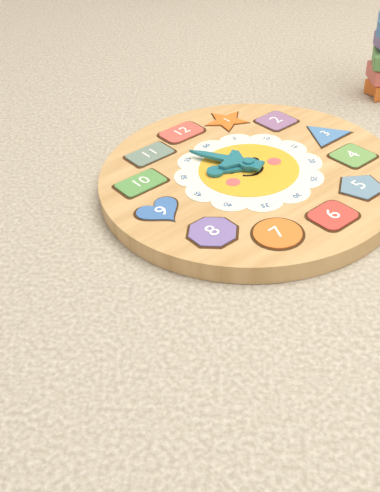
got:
**9:56**
